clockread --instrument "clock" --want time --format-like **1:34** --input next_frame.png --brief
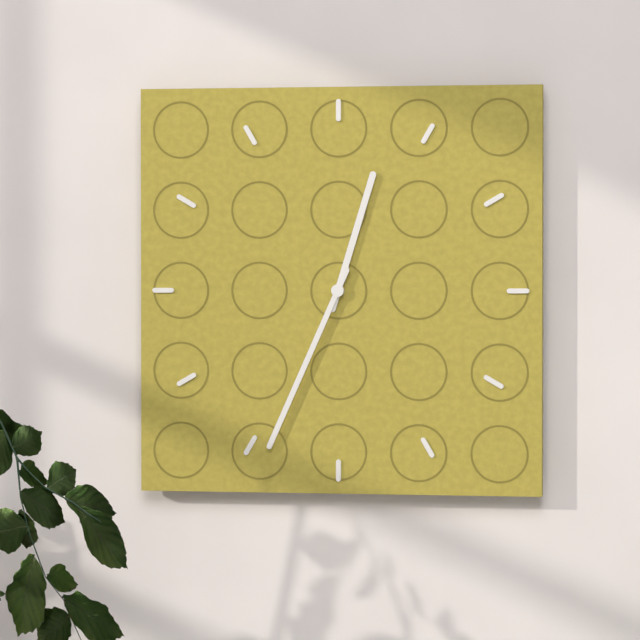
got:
**12:34**
